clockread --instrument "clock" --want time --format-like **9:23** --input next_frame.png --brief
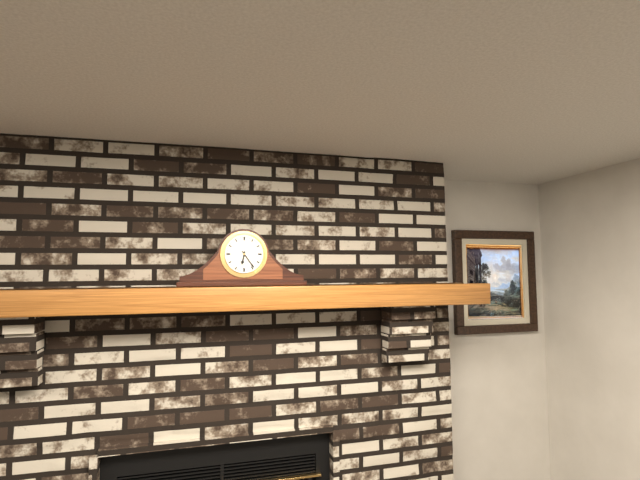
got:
**6:24**
